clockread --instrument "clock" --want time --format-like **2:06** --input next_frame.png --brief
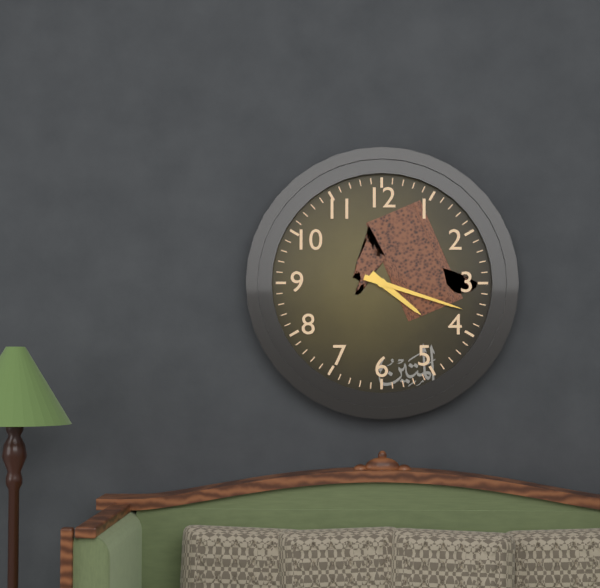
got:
**4:18**
